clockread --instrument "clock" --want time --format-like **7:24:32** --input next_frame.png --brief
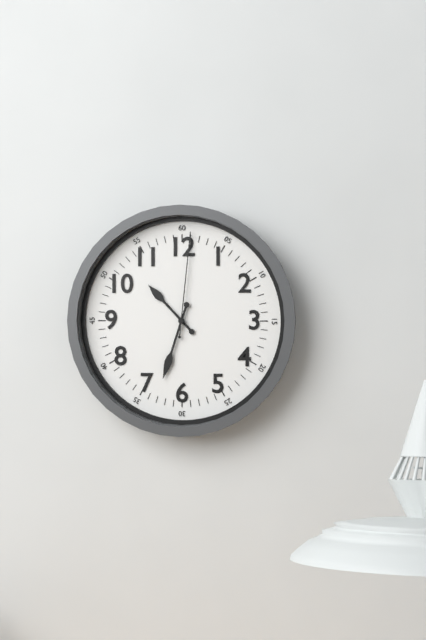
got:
**10:33:01**
